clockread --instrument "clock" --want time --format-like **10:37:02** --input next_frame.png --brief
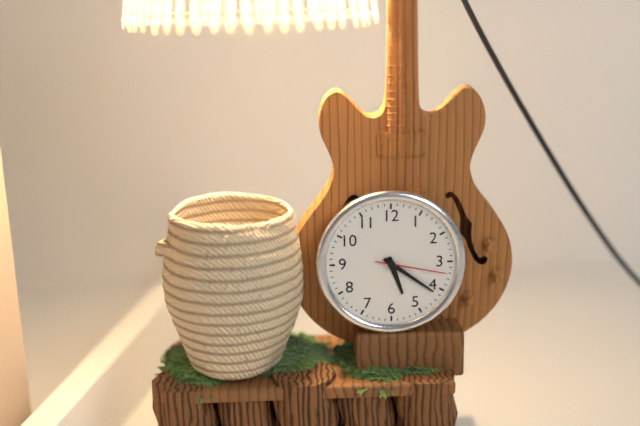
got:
**5:21:17**
